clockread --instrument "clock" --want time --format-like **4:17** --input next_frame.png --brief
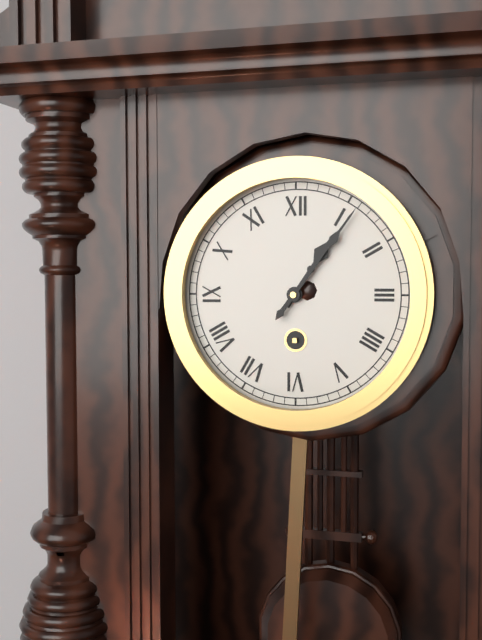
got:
**1:06**
